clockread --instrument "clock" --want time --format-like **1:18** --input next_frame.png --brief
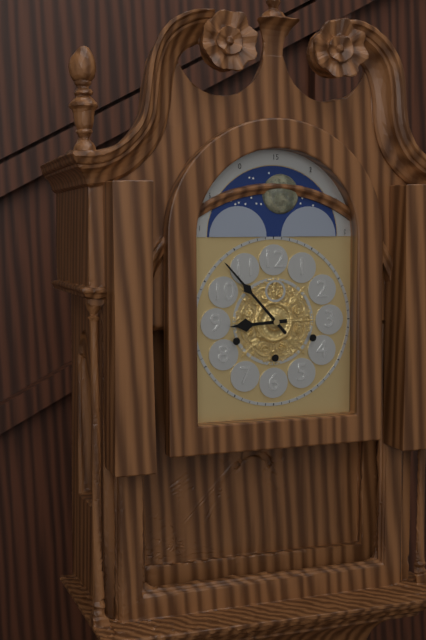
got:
**8:53**
